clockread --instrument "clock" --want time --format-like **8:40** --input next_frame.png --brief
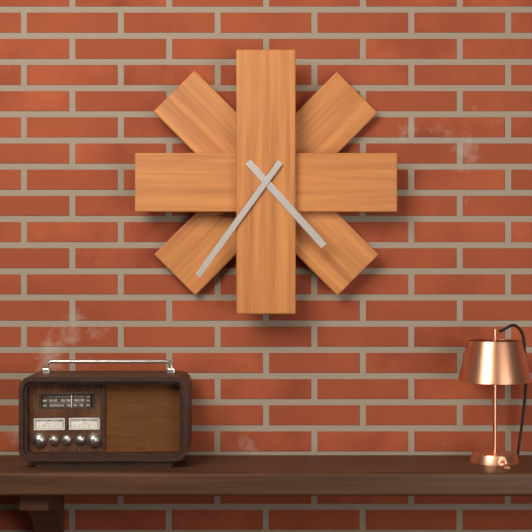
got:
**4:36**
